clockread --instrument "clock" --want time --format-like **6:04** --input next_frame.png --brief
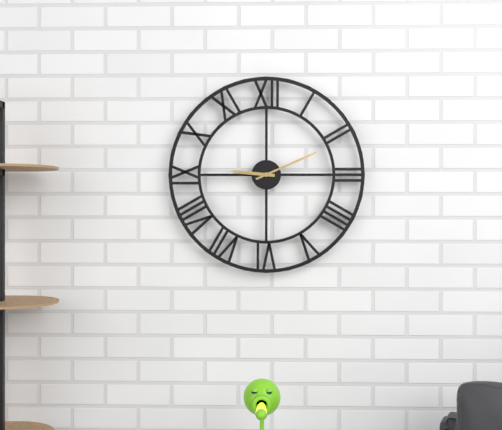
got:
**9:11**
